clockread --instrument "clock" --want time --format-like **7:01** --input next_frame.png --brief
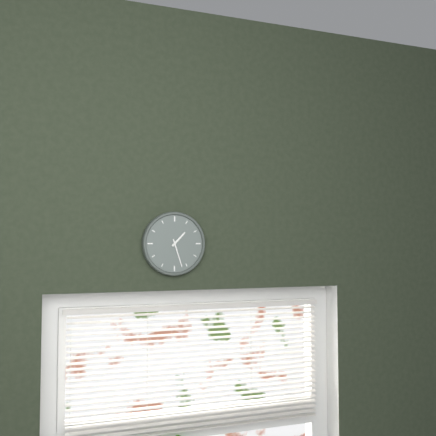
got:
**1:27**
